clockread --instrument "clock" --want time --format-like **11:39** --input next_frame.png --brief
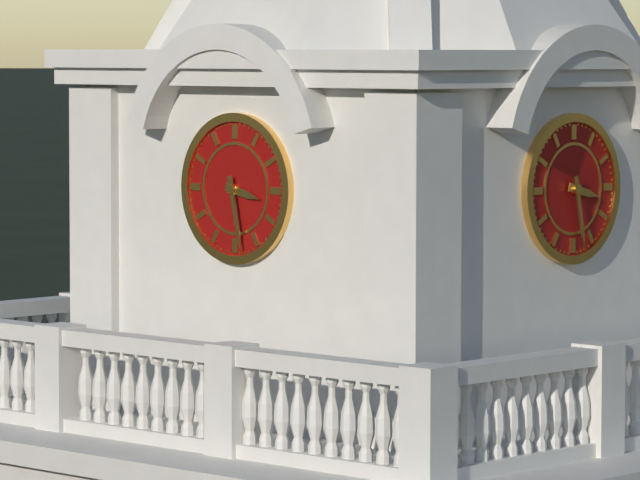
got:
**3:28**
